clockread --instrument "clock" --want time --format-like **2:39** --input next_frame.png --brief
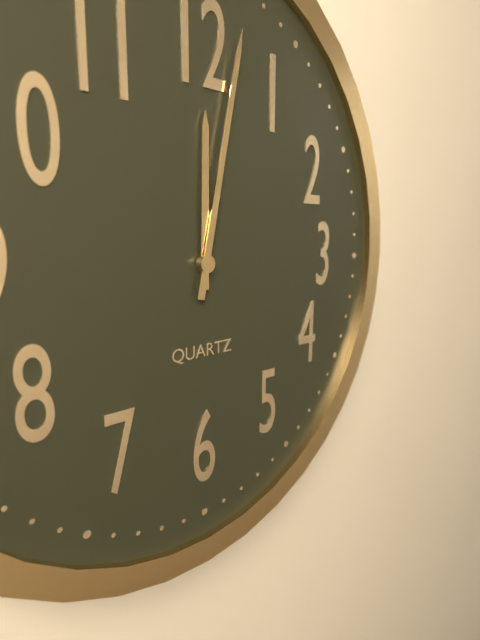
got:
**12:02**
